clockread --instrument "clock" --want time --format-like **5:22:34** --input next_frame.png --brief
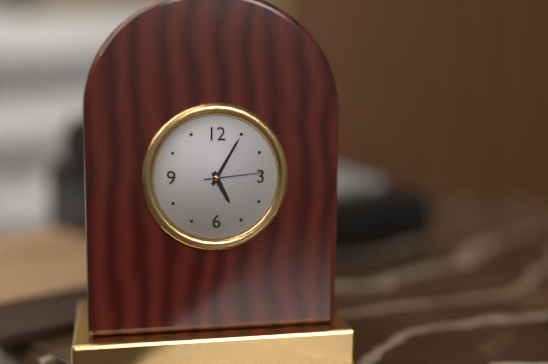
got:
**5:05:14**
